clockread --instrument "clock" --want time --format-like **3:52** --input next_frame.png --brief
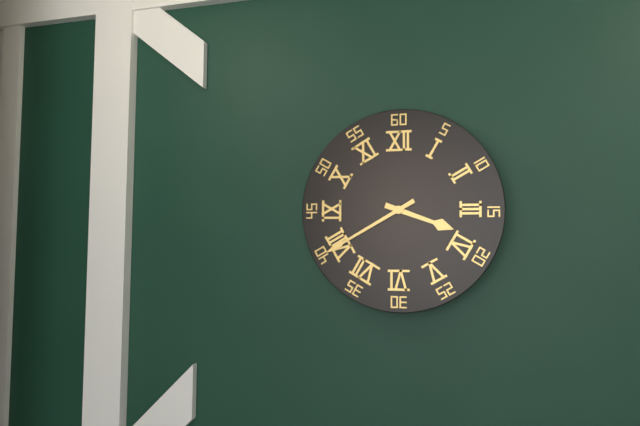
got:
**3:40**
